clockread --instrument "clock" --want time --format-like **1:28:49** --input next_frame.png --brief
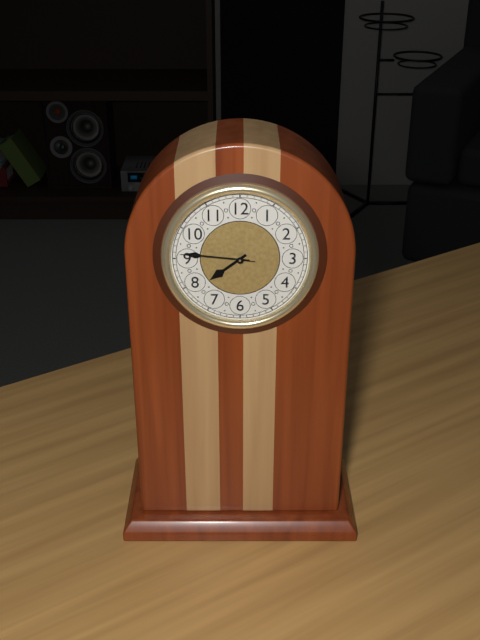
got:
**7:46:46**
